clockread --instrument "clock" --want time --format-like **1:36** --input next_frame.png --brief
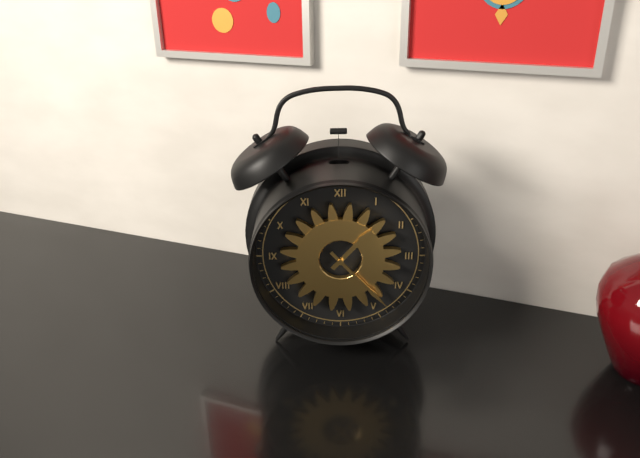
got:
**1:23**
